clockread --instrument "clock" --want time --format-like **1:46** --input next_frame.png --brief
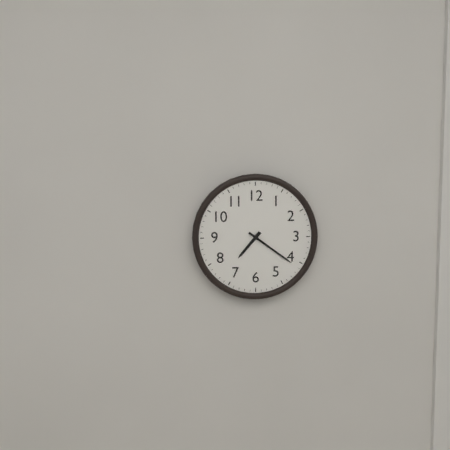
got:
**7:21**
